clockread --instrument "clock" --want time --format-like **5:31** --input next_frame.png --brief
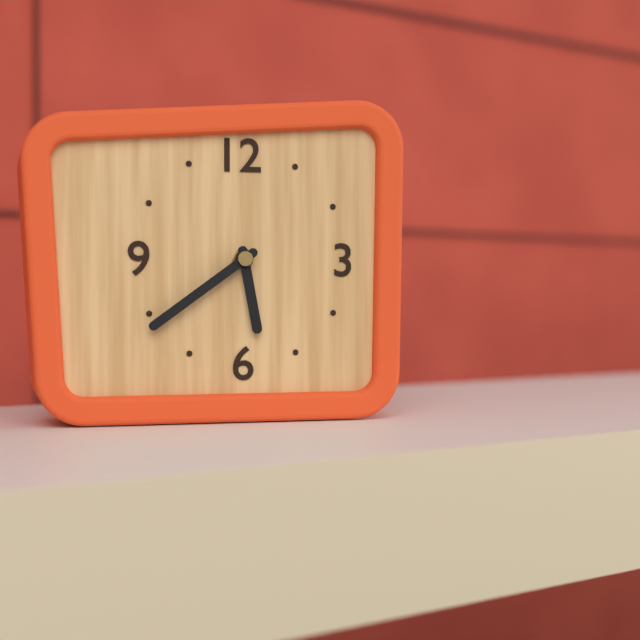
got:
**5:39**
